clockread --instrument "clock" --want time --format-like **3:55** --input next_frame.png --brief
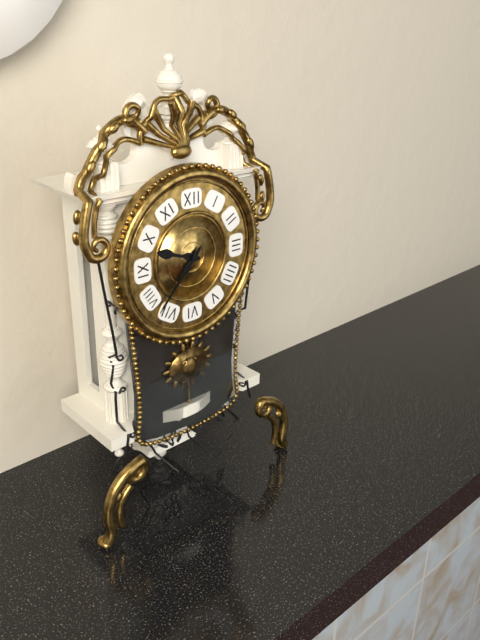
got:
**9:37**
